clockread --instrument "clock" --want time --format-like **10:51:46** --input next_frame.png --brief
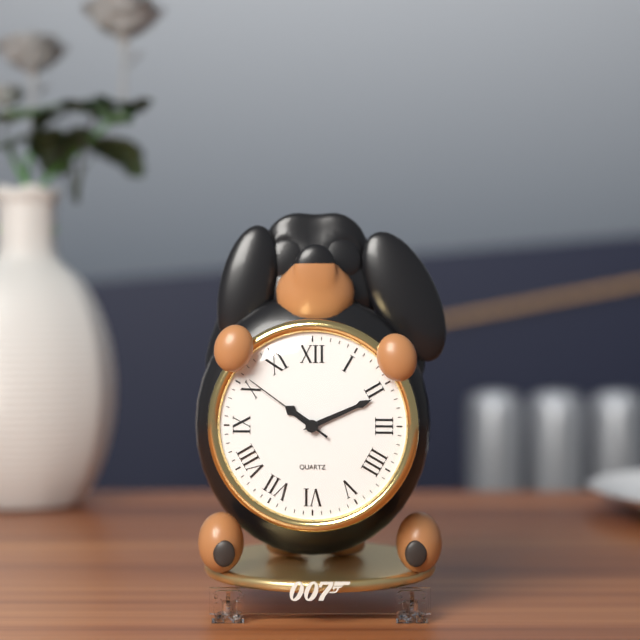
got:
**10:11:51**
